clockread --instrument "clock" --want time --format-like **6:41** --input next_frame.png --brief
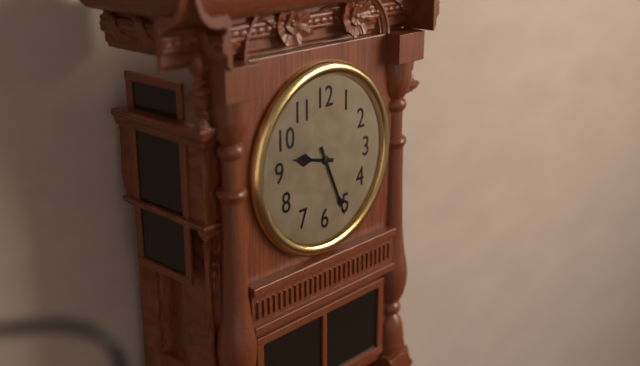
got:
**9:26**
